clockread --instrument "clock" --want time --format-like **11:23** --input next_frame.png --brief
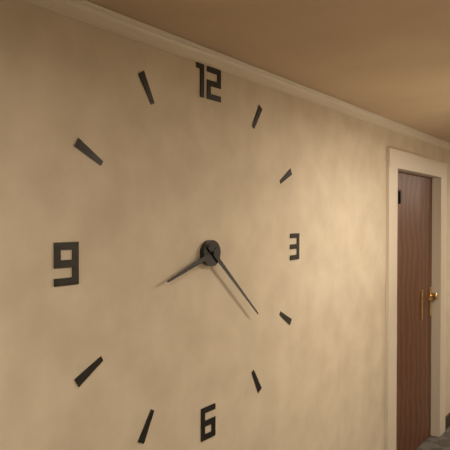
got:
**8:22**
